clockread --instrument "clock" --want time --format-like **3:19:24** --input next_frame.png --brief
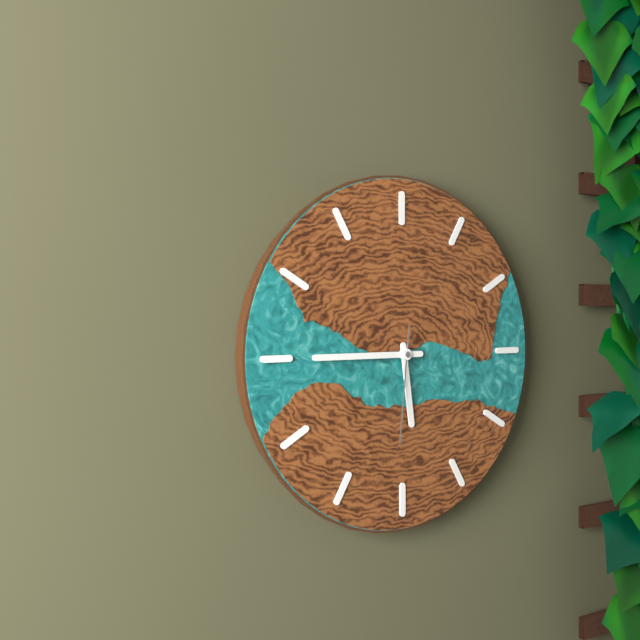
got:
**5:45:31**
